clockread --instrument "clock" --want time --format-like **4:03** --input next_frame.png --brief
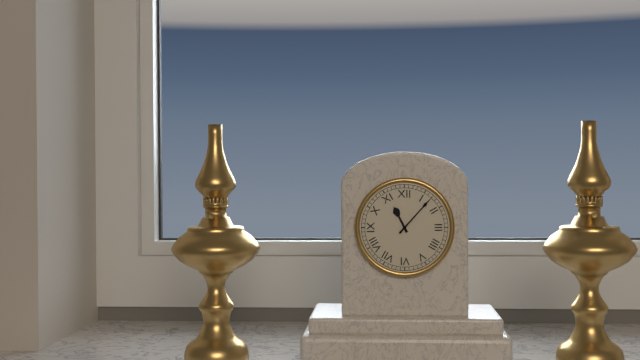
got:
**11:07**
